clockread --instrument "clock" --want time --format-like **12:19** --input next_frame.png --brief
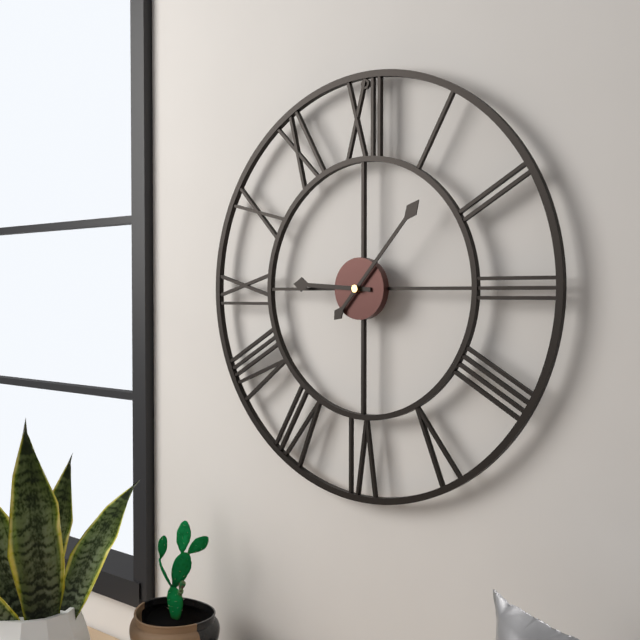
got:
**9:07**
